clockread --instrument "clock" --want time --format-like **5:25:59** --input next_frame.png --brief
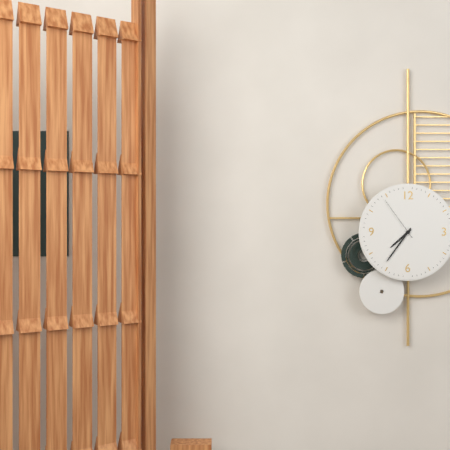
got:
**7:36:54**
